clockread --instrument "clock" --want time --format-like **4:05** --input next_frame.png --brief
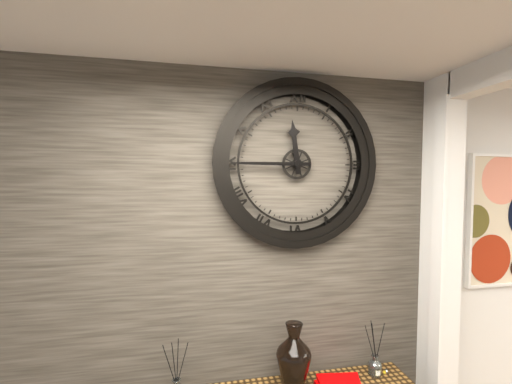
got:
**11:45**
